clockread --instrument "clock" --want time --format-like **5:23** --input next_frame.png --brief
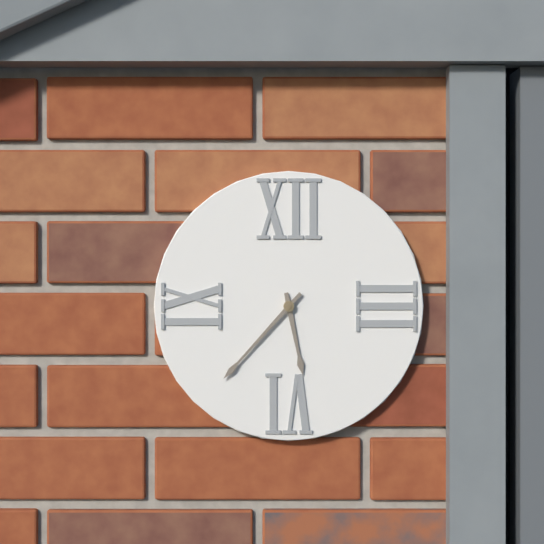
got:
**5:37**
